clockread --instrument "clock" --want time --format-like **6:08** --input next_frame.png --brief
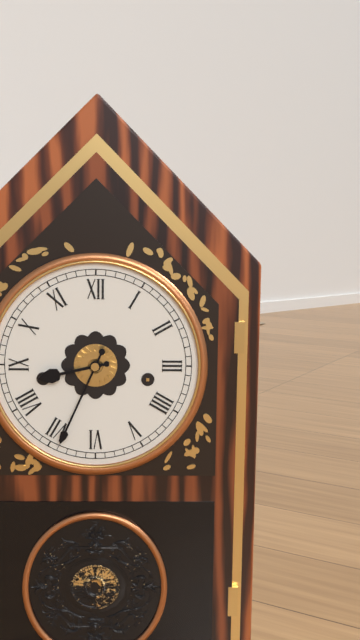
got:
**8:34**
